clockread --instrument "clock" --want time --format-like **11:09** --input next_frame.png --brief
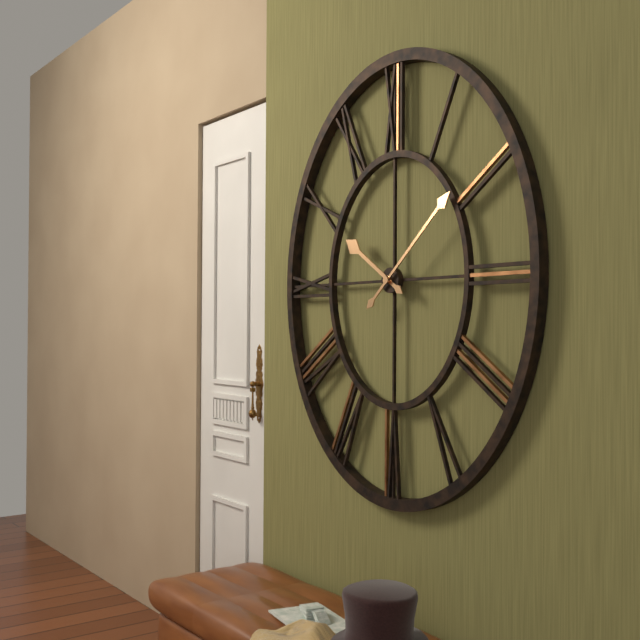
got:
**10:08**
